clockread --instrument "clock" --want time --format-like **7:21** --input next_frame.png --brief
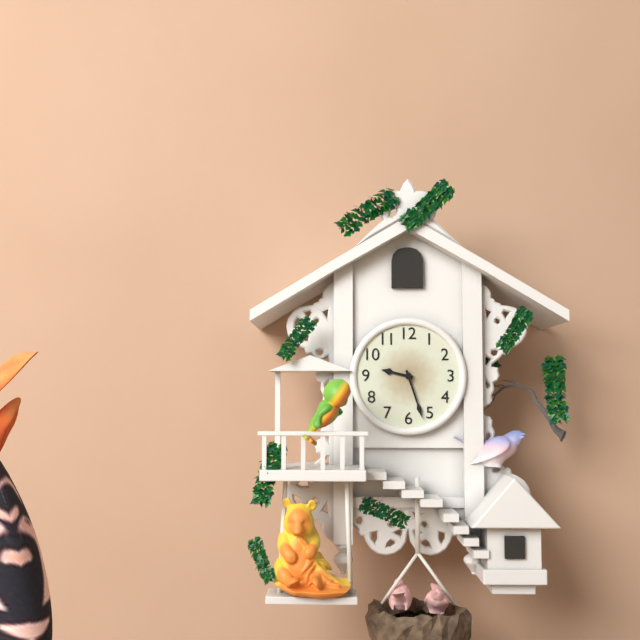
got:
**9:27**
